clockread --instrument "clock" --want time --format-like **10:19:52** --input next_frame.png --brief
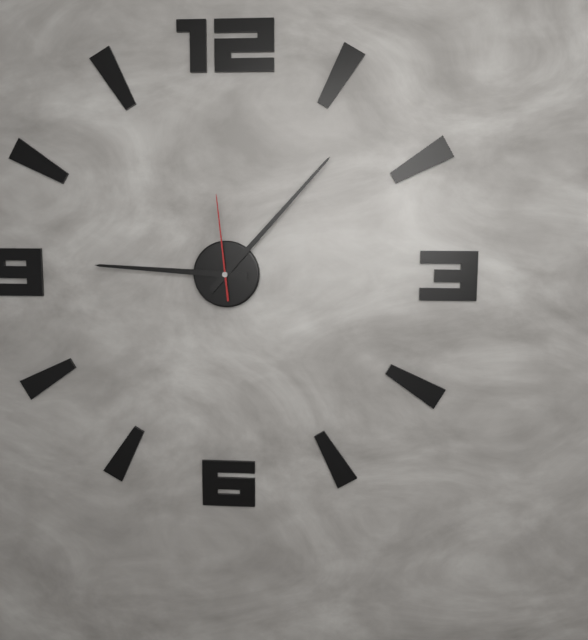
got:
**9:07:59**
